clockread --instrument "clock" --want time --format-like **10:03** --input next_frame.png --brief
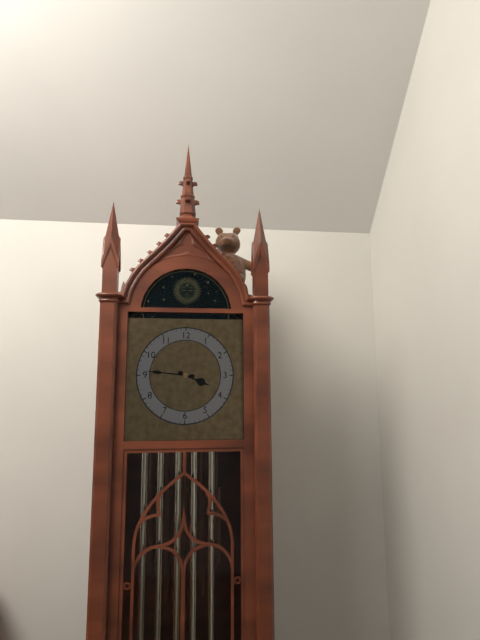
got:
**3:46**
